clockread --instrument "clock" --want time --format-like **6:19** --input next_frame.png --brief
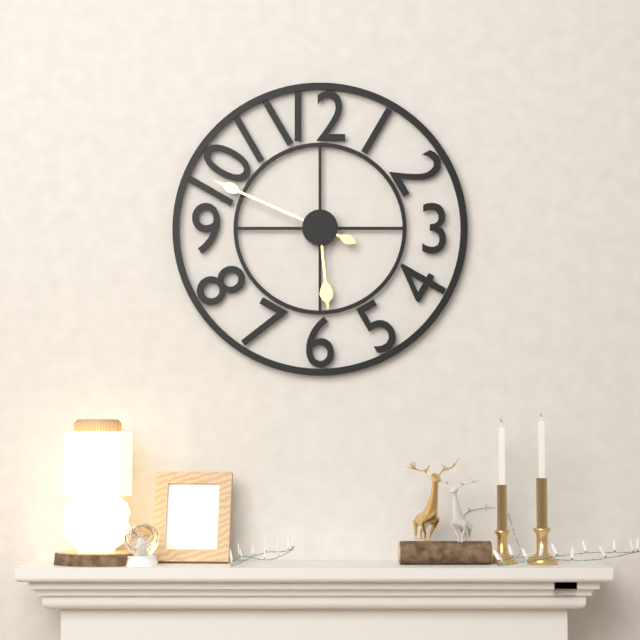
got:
**5:49**
